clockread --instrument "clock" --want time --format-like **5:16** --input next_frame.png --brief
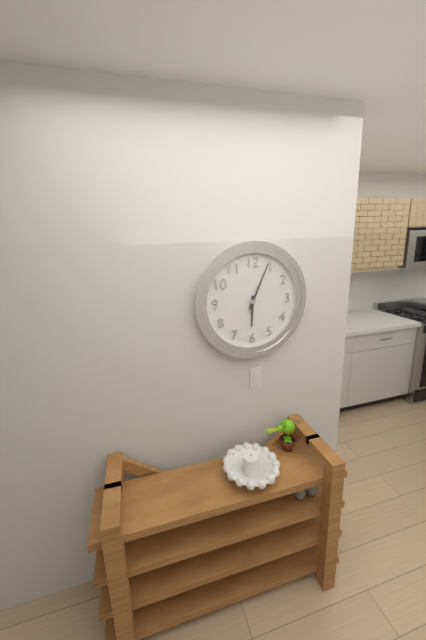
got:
**6:04**
